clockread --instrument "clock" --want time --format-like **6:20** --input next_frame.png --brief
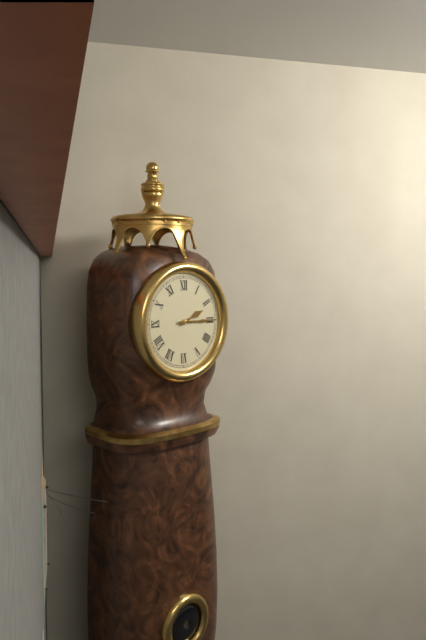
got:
**2:15**
